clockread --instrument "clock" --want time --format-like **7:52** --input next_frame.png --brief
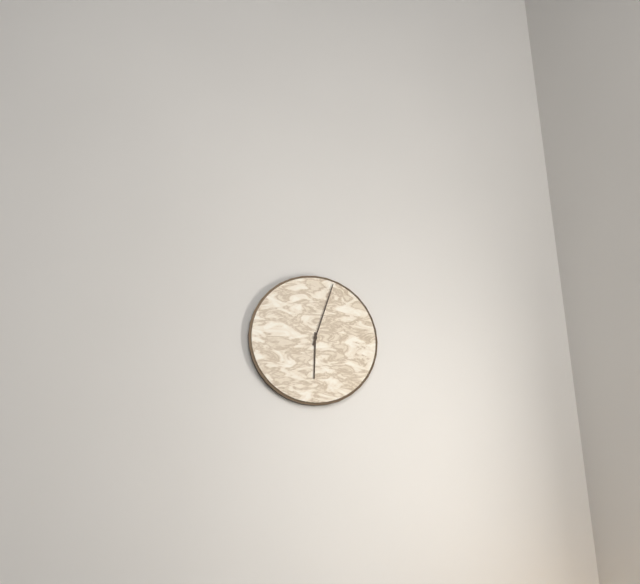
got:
**6:03**
